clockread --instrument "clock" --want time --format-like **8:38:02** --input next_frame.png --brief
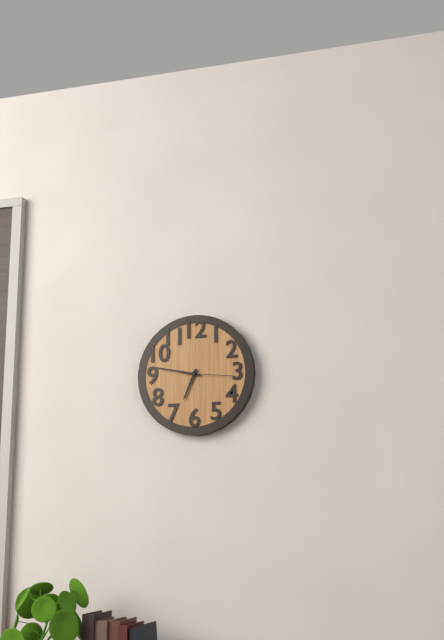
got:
**6:47:16**
